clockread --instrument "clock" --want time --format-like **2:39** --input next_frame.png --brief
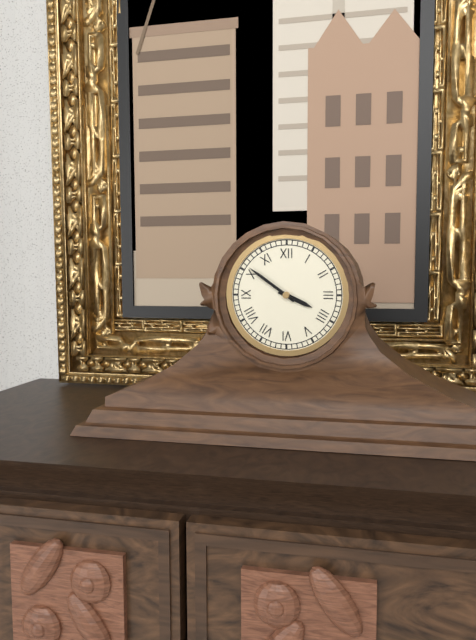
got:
**3:51**
